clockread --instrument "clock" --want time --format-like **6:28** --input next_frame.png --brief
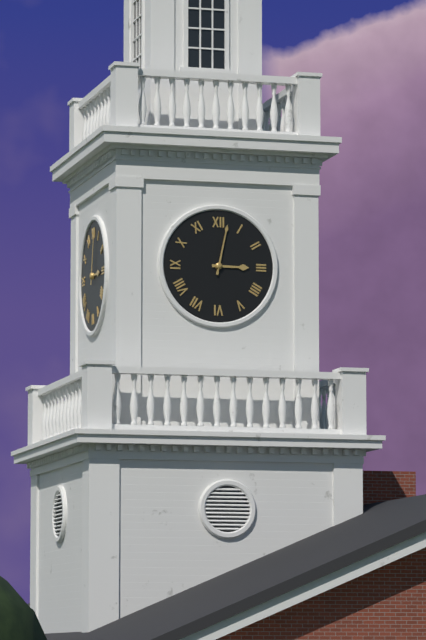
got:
**3:02**
